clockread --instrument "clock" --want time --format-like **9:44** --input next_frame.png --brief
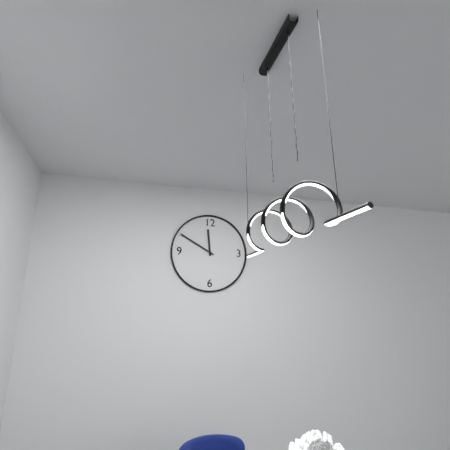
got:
**11:50**
